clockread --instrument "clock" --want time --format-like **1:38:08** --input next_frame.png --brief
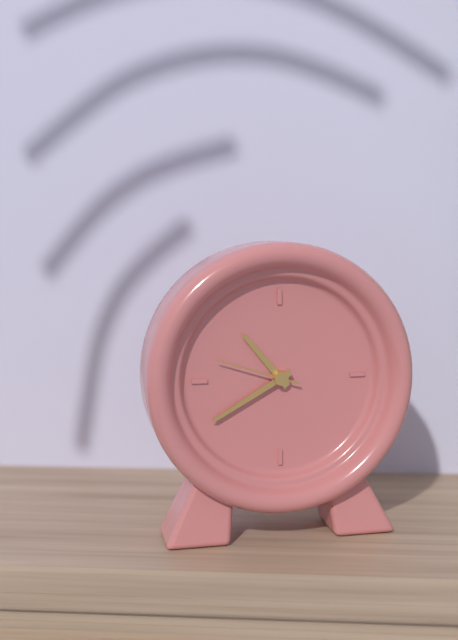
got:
**10:40:48**
